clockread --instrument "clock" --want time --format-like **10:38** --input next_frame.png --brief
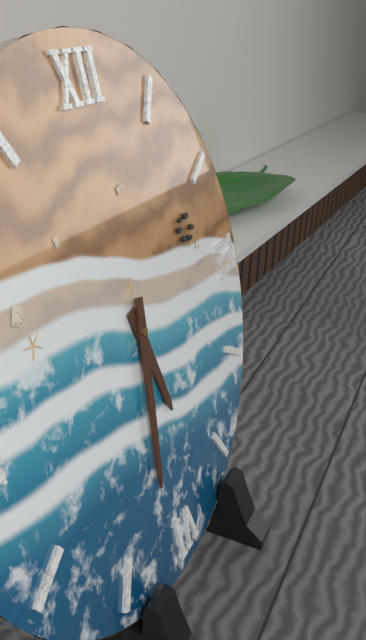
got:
**5:32**
